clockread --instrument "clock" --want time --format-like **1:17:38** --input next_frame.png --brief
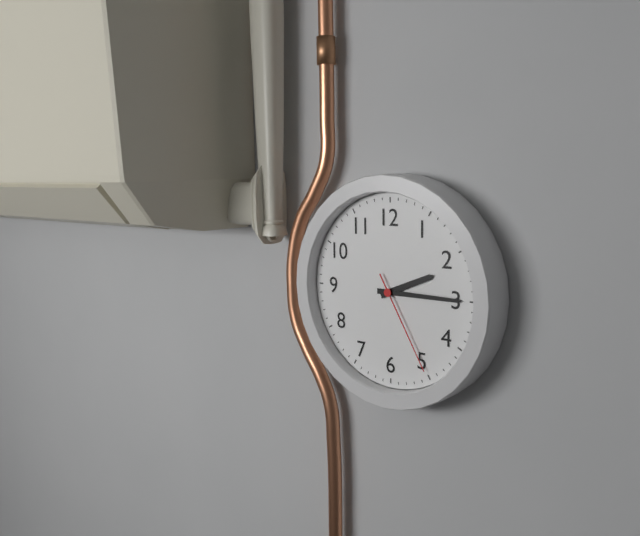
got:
**2:15:25**
